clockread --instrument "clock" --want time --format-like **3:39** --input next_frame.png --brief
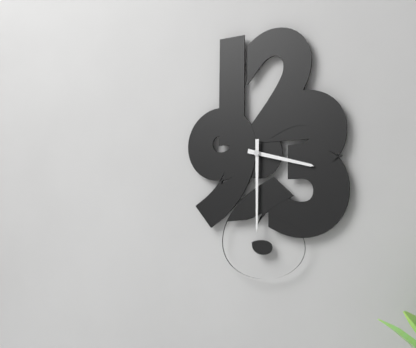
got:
**3:30**
